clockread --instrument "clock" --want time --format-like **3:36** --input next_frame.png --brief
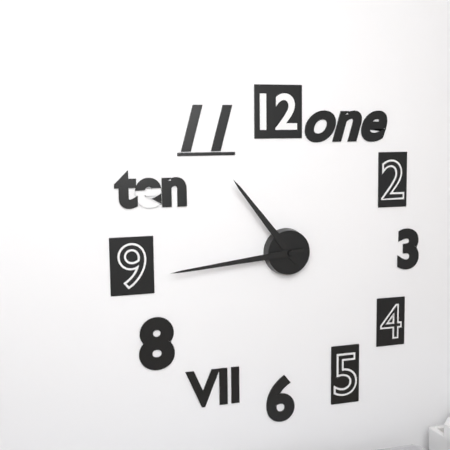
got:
**10:44**
